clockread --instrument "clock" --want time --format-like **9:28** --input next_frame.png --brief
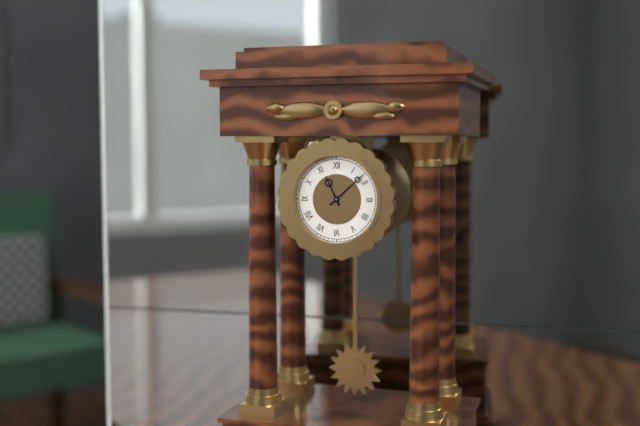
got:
**11:08**
